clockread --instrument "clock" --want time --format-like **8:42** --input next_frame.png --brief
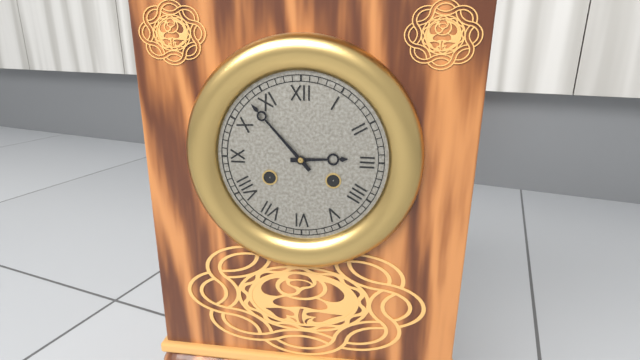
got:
**2:53**
